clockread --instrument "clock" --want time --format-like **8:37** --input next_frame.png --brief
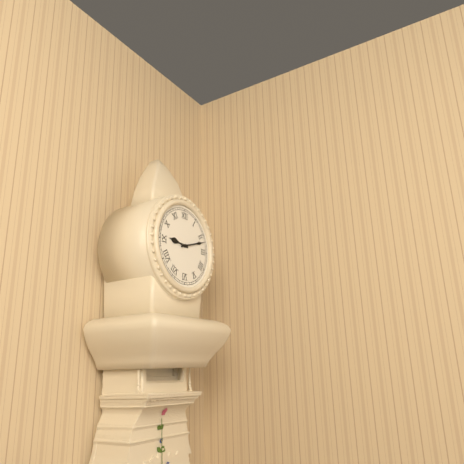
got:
**9:12**
